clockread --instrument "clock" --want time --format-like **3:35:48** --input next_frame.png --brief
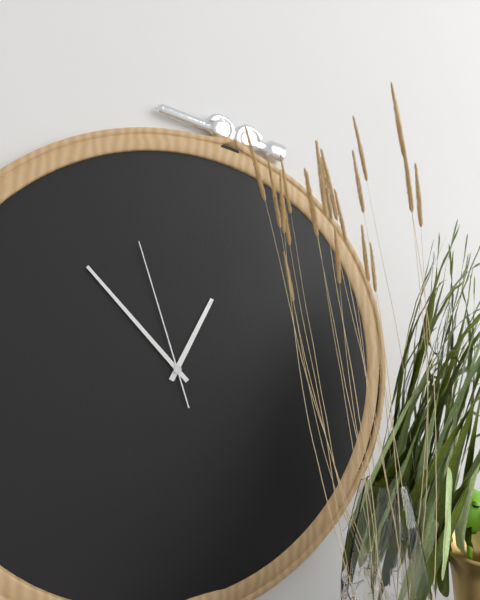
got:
**12:53:57**
